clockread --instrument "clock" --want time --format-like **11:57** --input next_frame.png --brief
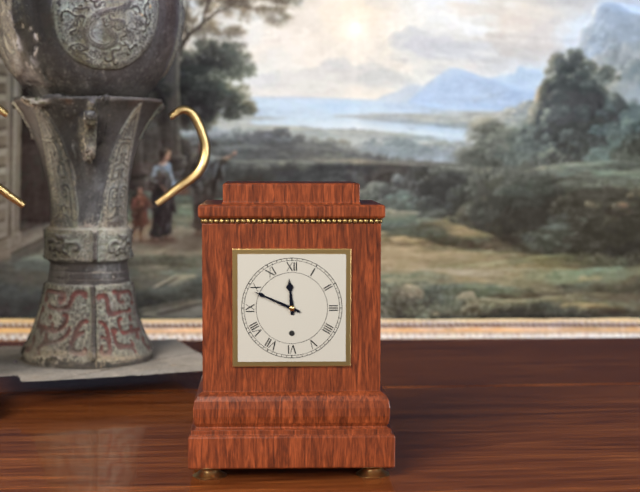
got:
**11:49**
